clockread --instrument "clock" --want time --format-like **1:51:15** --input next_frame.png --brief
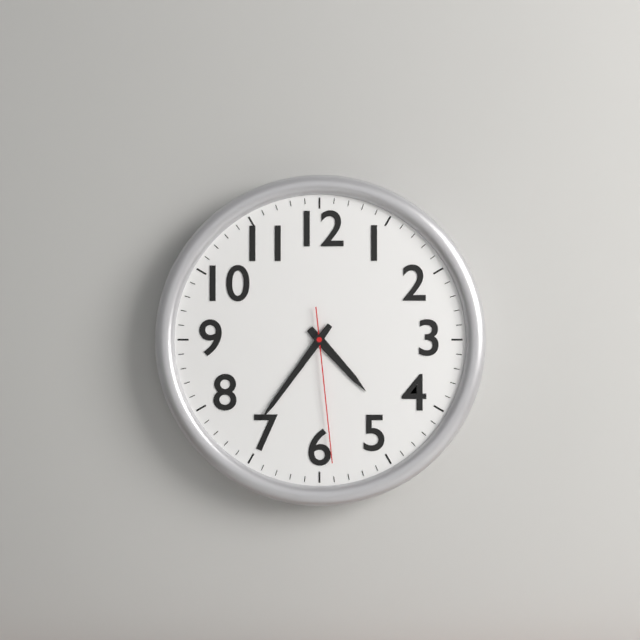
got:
**4:36:29**
